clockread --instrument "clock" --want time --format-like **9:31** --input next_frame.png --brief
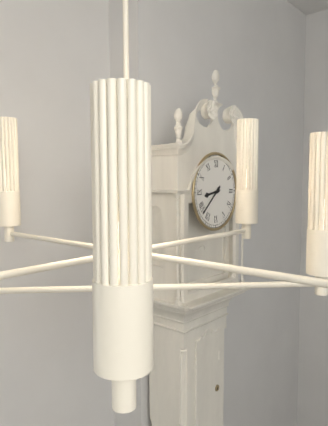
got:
**8:38**
